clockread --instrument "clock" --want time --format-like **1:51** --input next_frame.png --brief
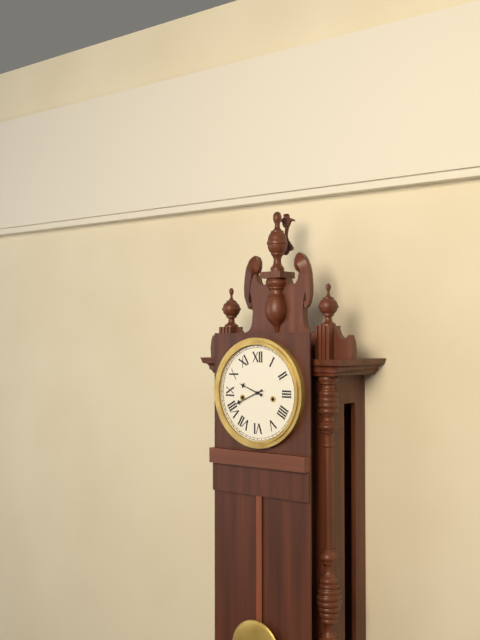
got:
**9:41**
